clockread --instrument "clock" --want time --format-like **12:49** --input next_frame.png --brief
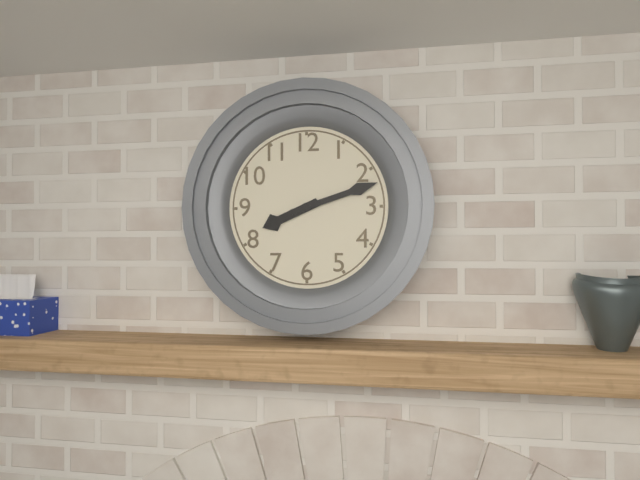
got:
**8:12**
